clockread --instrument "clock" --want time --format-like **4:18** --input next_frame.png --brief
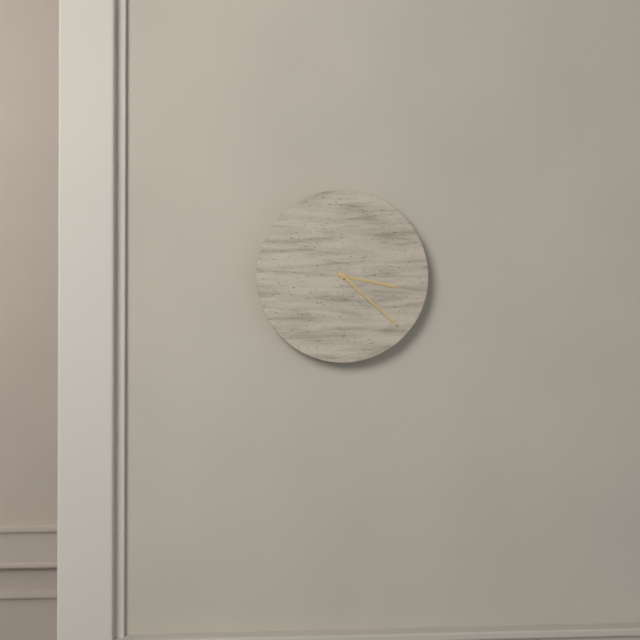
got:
**3:22**
